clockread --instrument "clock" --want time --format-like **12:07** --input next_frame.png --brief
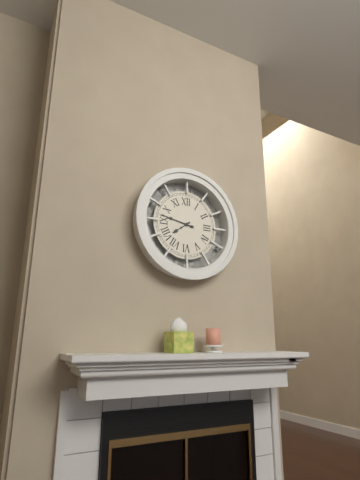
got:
**7:47**
